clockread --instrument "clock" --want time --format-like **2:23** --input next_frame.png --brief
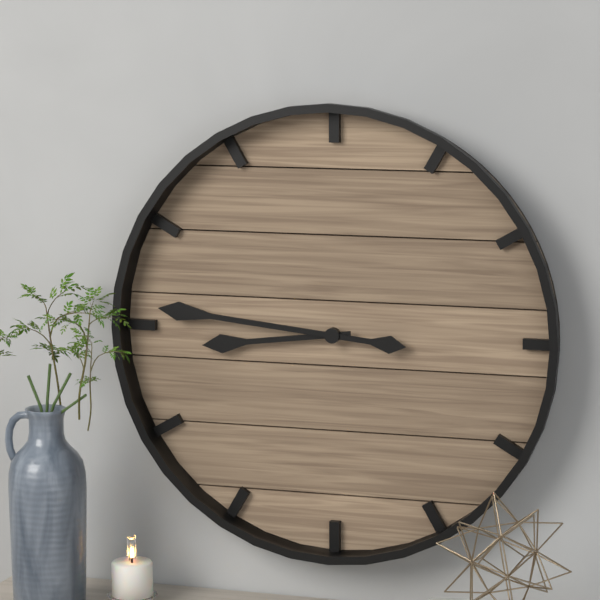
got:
**8:46**
